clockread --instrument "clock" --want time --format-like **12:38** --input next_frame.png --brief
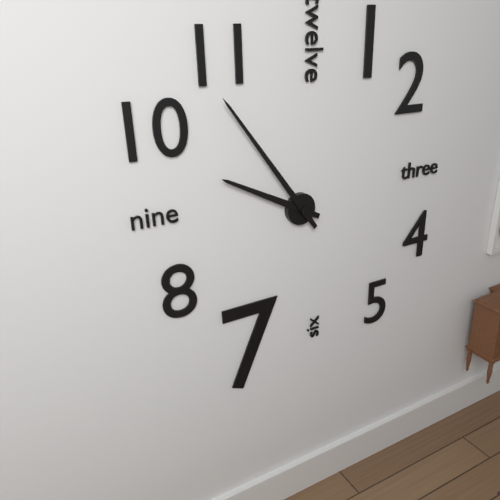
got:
**9:54**
